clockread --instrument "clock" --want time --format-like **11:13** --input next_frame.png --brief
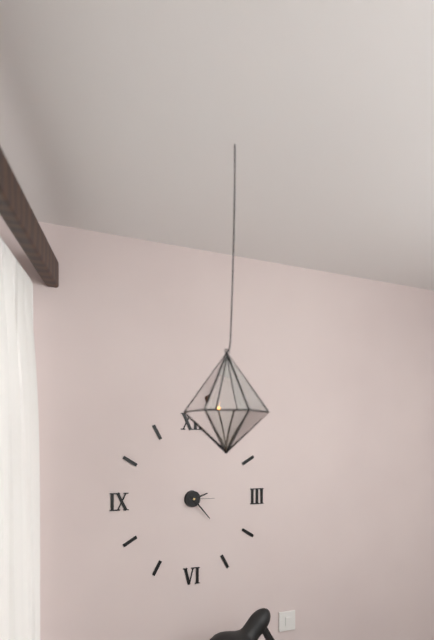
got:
**2:23**
